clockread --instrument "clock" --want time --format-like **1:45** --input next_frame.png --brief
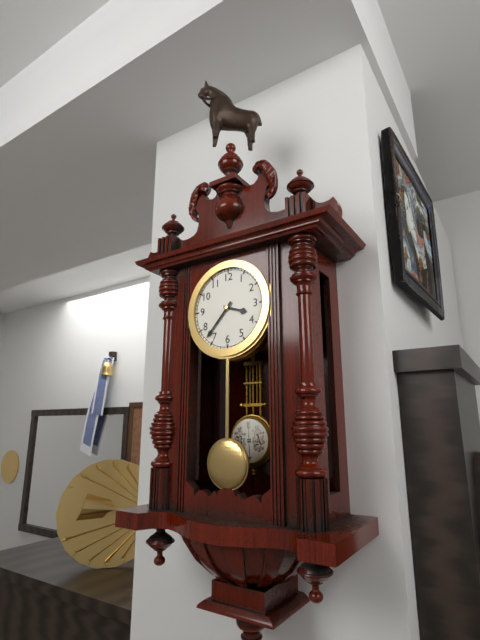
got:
**3:37**
